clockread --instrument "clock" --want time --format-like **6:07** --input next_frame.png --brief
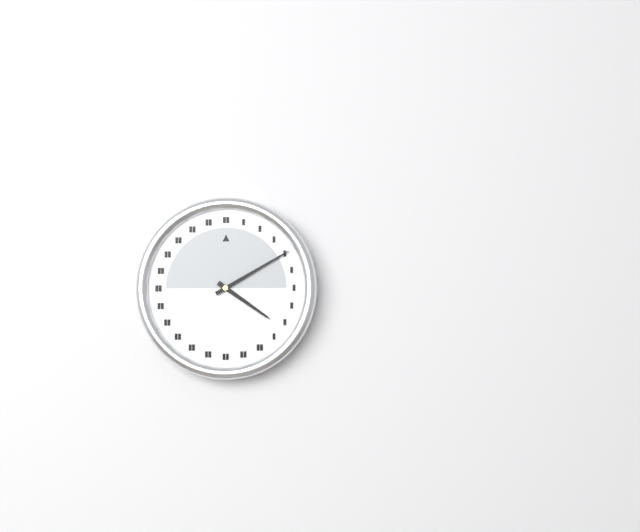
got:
**4:10**
